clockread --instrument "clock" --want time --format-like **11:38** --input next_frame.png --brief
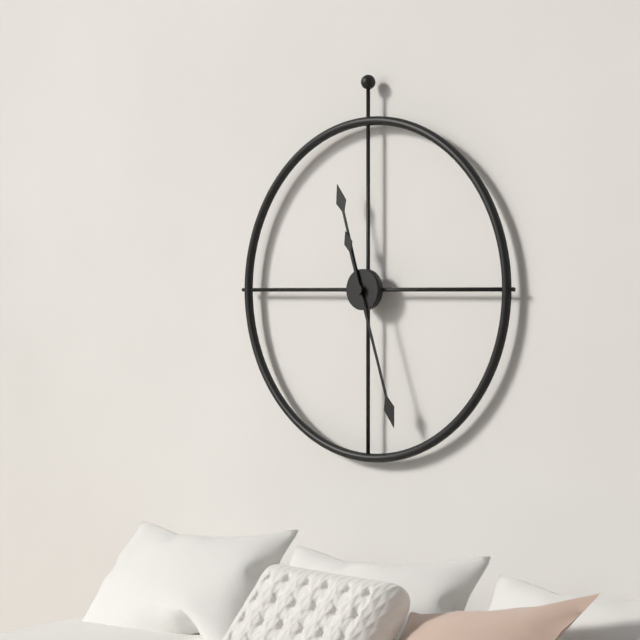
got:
**11:27**
